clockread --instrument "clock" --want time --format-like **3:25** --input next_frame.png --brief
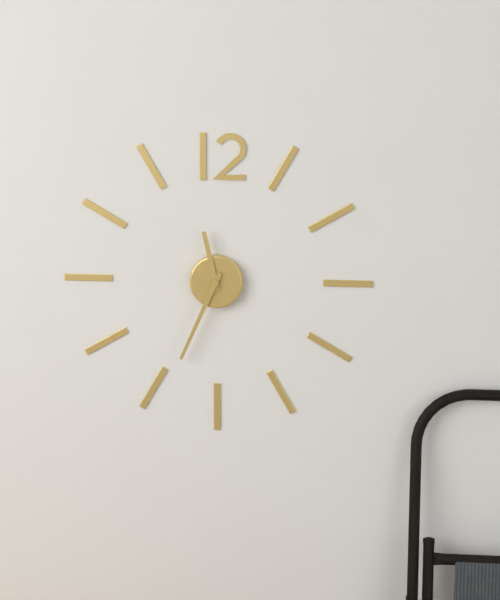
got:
**11:34**
